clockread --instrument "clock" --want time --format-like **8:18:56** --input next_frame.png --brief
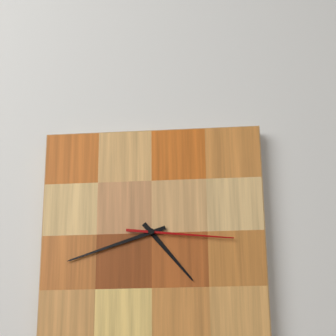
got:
**4:42:16**
